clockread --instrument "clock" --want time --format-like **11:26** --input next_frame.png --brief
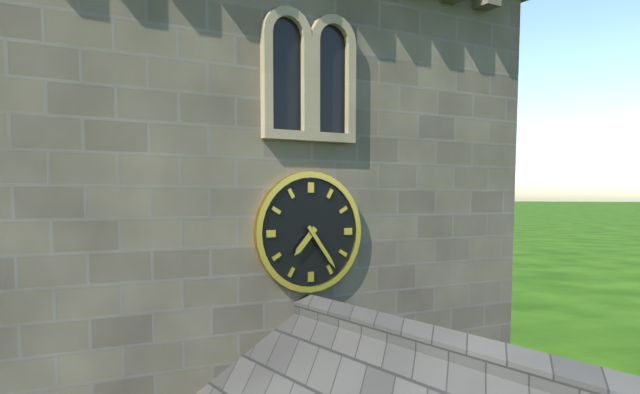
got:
**7:24**
